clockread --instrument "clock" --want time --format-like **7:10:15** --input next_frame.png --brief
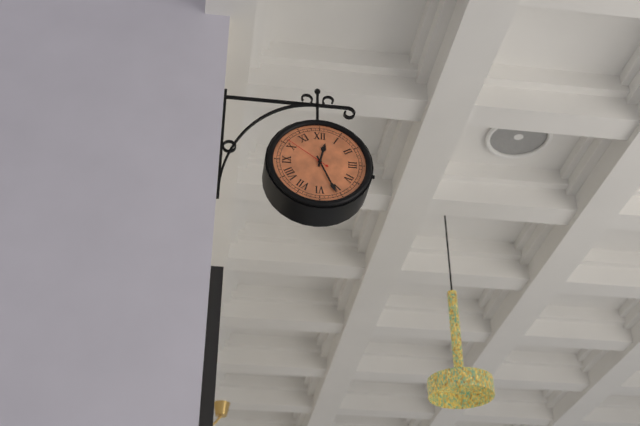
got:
**12:26:51**
